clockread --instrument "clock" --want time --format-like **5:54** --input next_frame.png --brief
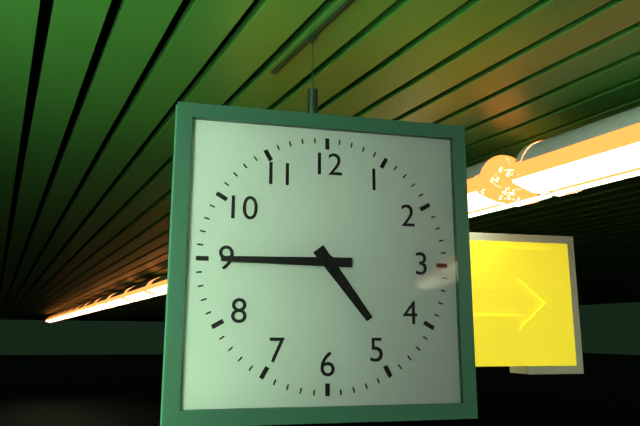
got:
**4:45**
